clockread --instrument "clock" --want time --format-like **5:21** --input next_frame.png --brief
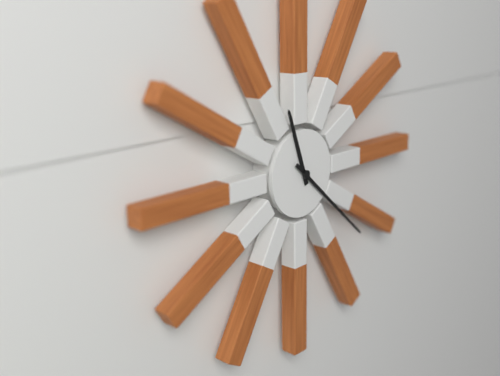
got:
**11:22**
